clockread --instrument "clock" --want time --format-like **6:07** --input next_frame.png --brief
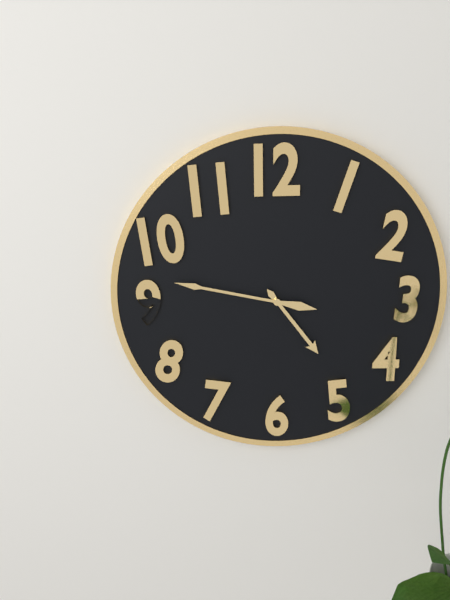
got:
**4:47**
